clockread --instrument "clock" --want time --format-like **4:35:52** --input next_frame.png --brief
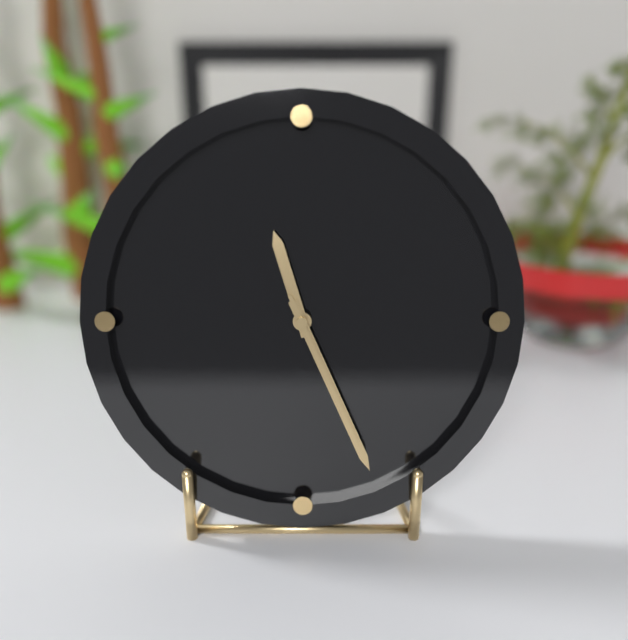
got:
**11:26:26**
